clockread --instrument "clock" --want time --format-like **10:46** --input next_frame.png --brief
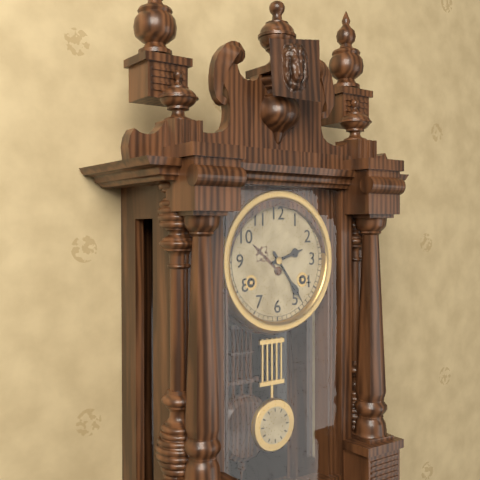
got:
**2:24**
